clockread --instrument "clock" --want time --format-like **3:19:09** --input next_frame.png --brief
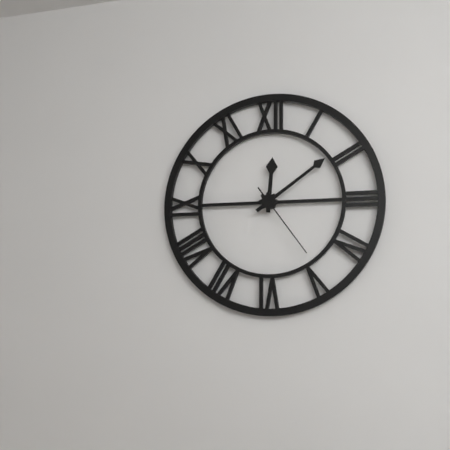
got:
**12:09:24**
